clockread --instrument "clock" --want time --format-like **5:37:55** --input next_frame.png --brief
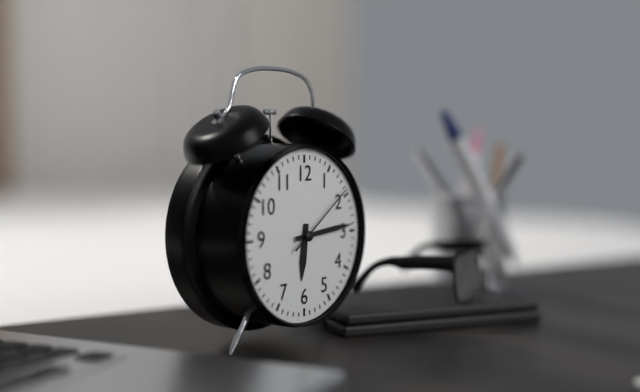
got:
**6:14:09**
